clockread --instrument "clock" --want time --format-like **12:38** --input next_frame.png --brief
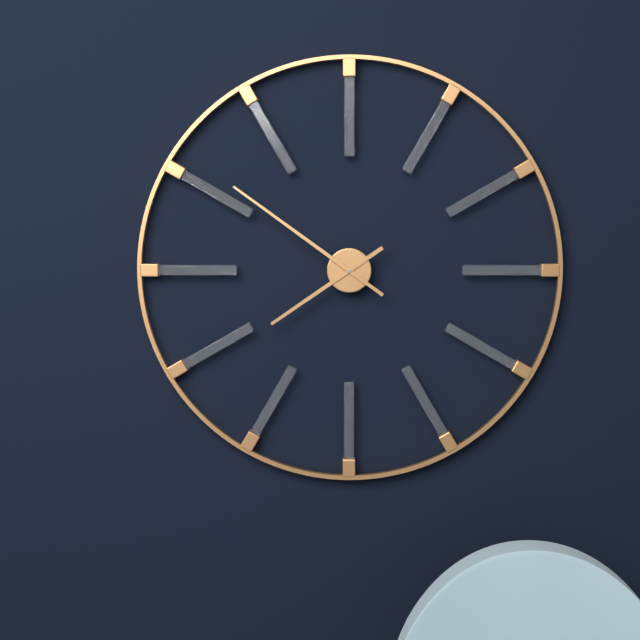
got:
**7:51**
